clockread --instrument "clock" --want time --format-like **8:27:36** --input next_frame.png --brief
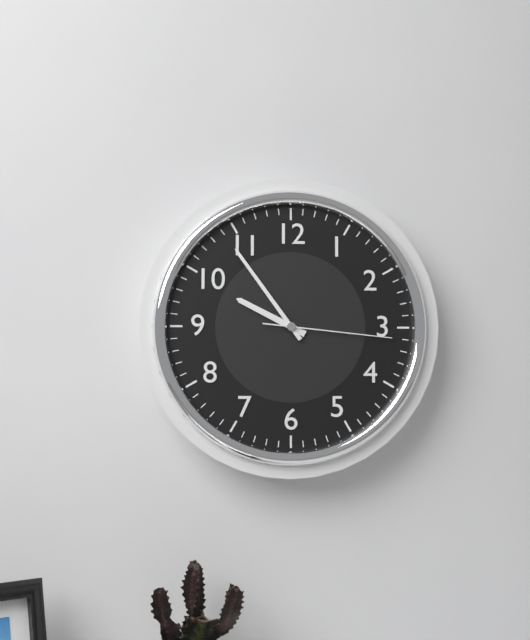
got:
**9:54:16**
